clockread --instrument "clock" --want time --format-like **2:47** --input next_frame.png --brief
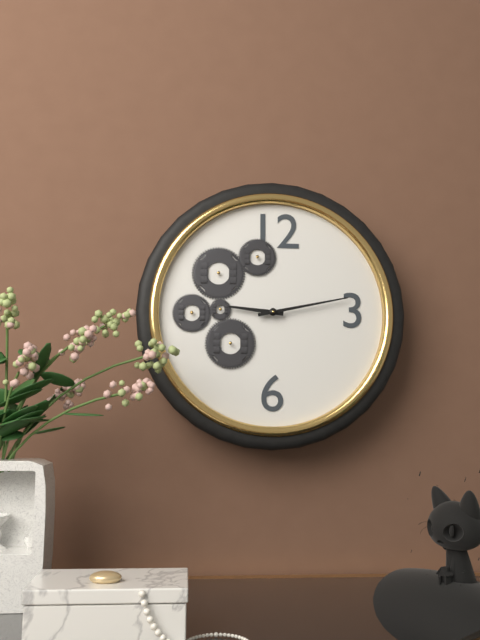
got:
**9:13**
